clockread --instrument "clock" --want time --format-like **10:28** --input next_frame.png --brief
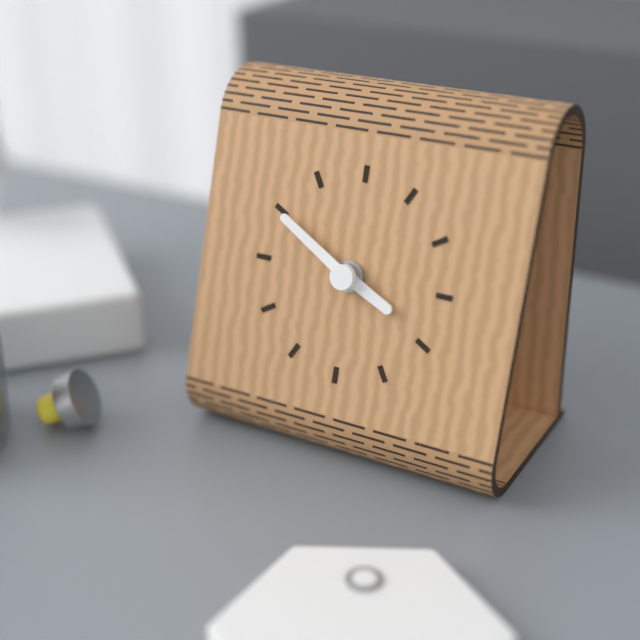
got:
**3:50**
